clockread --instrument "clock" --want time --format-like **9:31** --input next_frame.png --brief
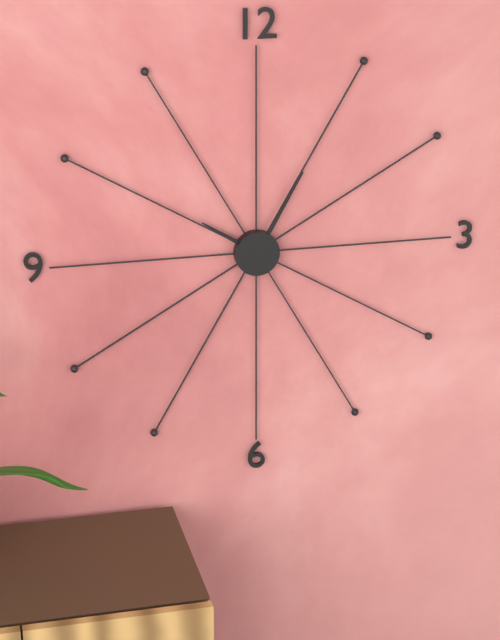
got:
**10:05**
